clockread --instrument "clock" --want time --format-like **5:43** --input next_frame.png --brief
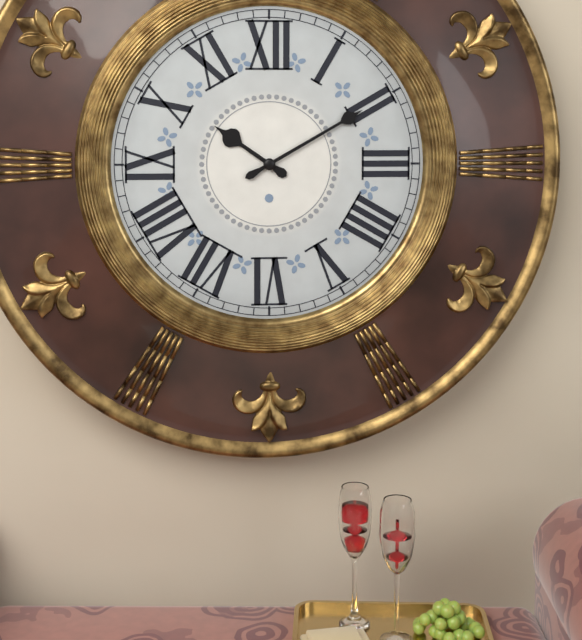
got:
**10:10**
